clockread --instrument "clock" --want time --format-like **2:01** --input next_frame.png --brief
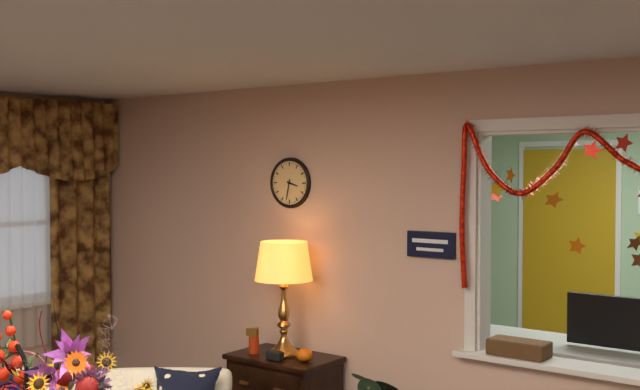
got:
**3:32**
